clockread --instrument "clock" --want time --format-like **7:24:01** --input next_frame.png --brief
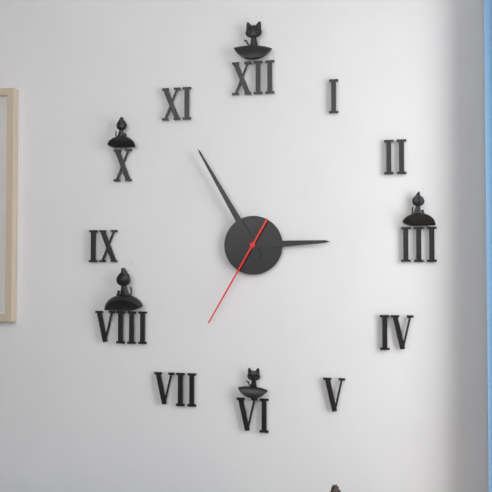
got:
**2:55:35**
